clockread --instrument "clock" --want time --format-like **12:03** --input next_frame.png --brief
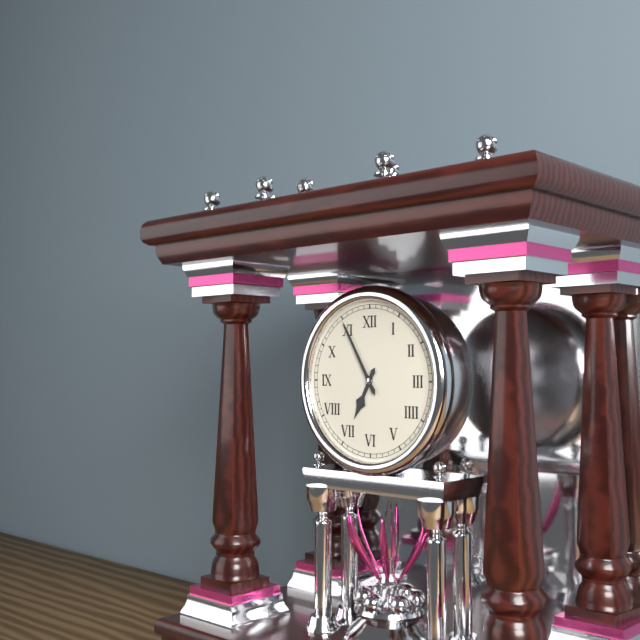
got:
**6:55**
